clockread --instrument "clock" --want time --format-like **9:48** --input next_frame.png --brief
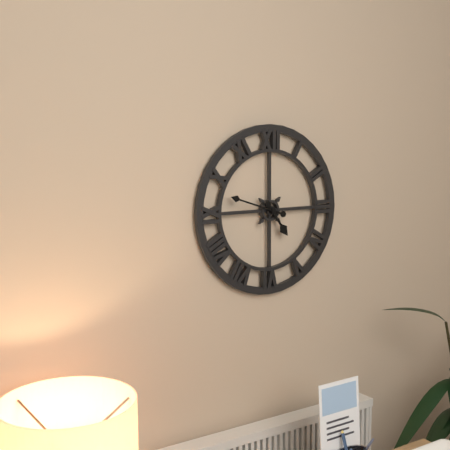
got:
**4:48**
